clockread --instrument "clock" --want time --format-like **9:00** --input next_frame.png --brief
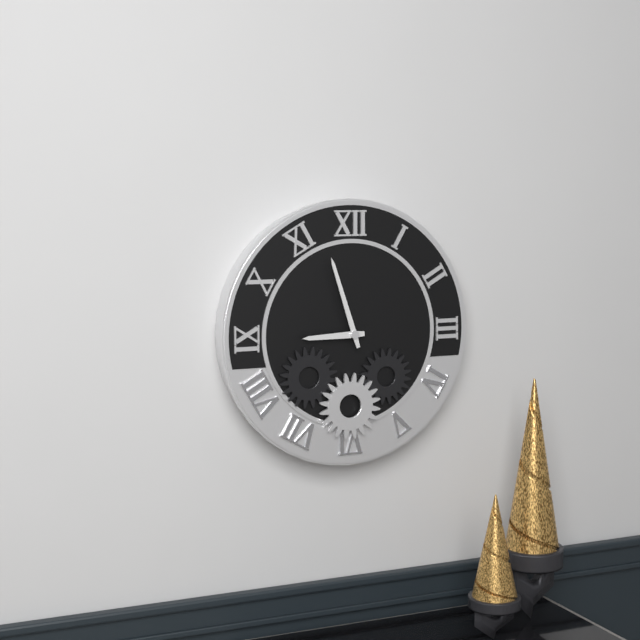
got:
**8:57**
